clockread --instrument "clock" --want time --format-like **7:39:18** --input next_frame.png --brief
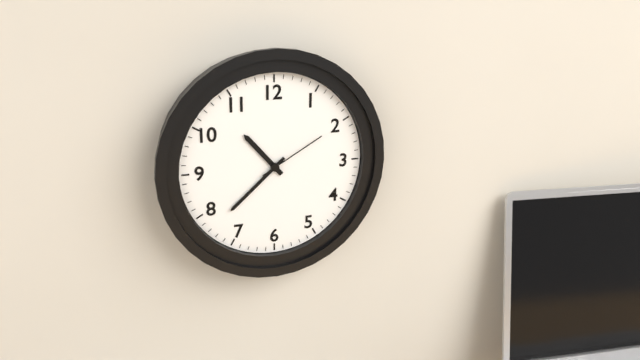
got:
**10:38:10**
